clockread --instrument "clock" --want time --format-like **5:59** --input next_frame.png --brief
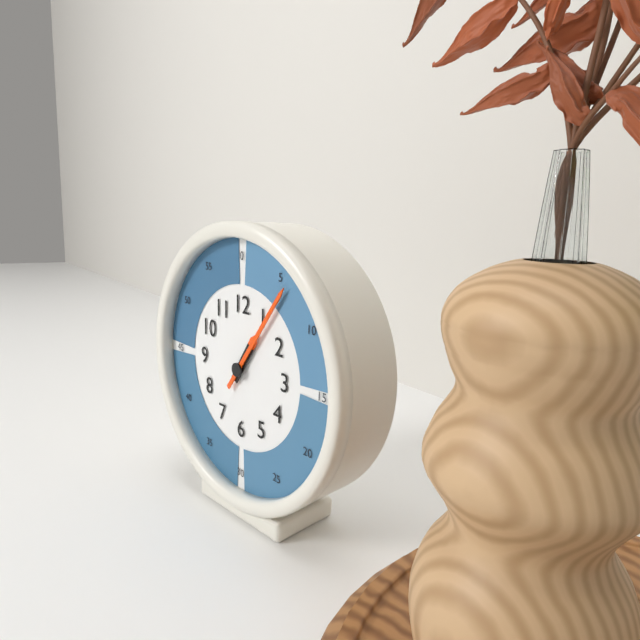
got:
**1:06**
